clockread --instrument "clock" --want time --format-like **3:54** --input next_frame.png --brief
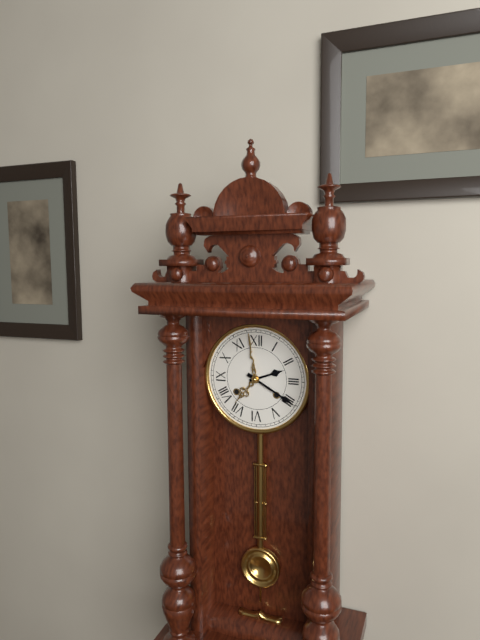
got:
**2:20**
